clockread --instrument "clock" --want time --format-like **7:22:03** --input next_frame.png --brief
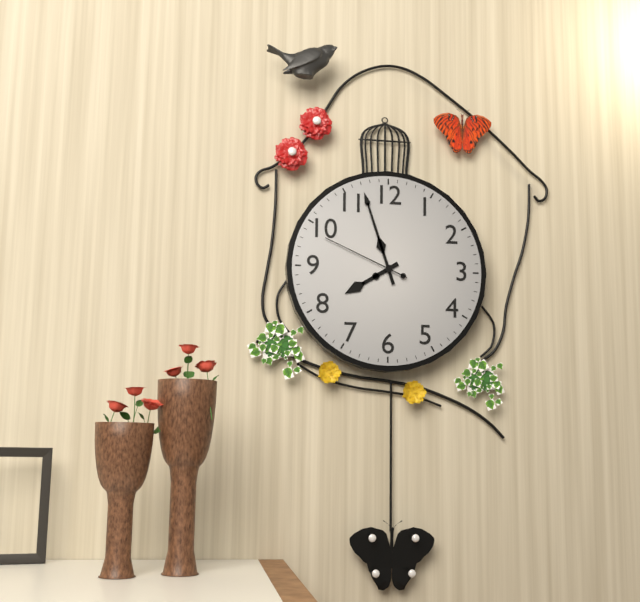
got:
**7:57:49**
